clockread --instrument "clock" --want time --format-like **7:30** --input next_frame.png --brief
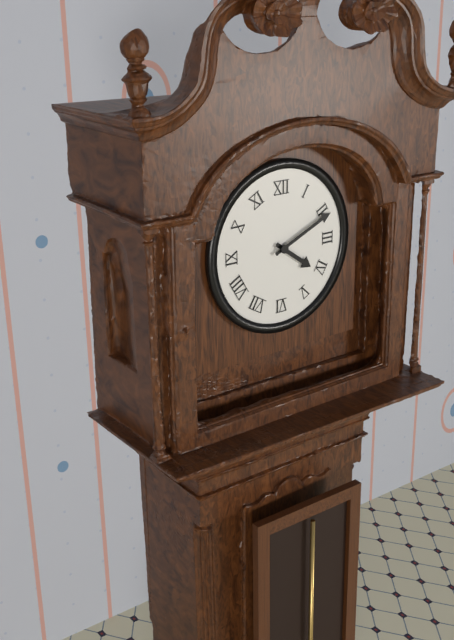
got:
**4:11**
